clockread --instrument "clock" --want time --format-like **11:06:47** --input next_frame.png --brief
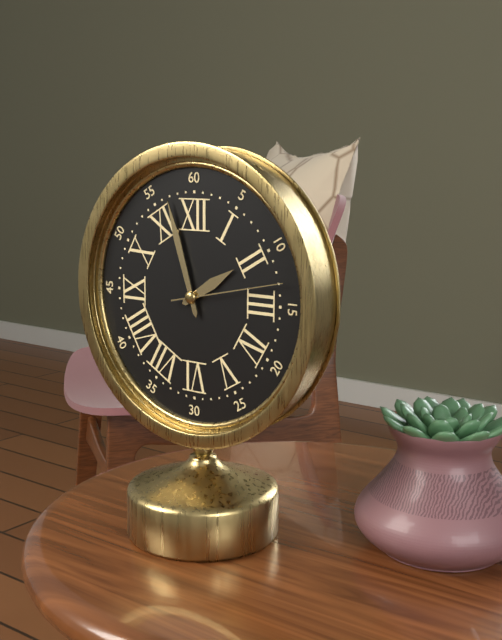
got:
**1:57:13**
